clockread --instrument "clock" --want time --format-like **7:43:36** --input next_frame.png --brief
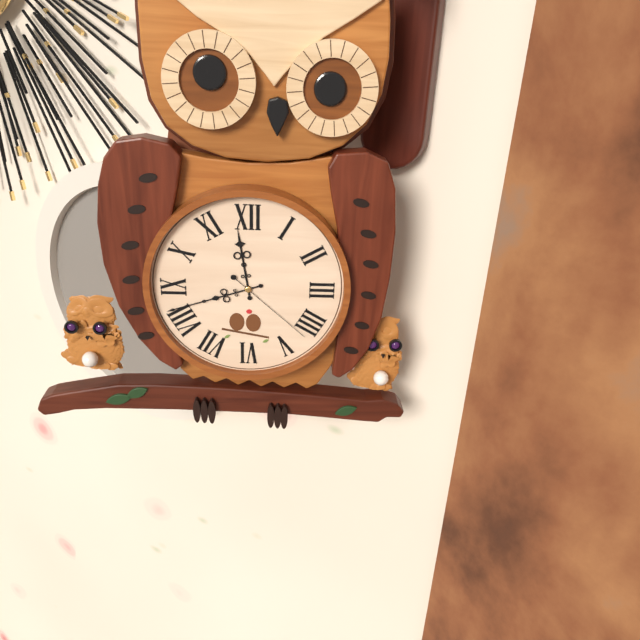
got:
**11:42:22**
